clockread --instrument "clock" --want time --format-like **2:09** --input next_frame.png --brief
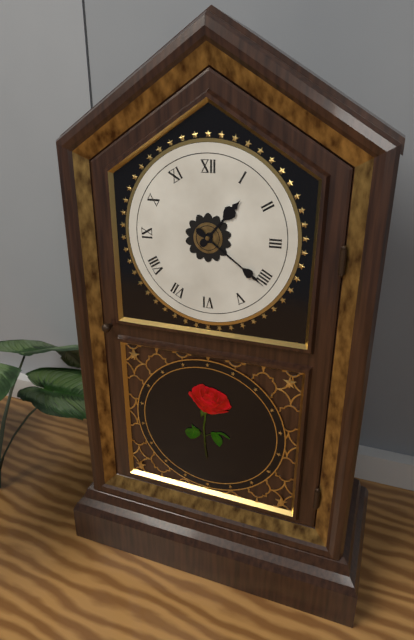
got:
**1:21**
